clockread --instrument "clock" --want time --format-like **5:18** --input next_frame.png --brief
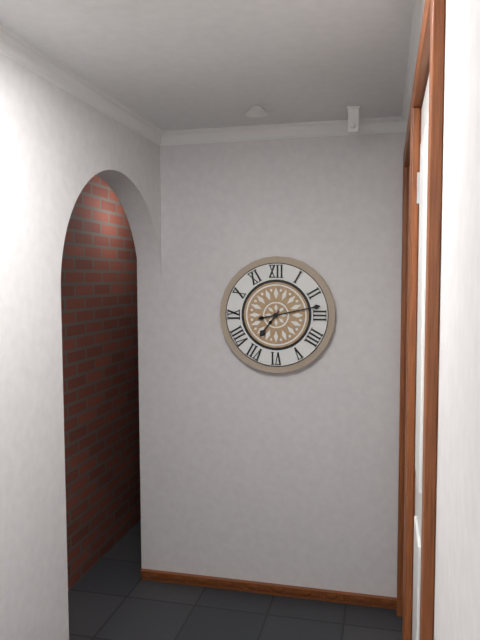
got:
**7:13**
